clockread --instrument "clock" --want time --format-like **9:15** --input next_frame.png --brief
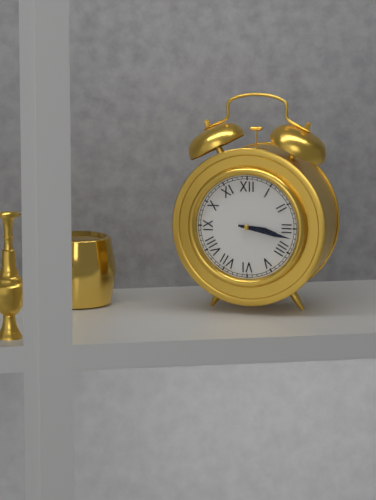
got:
**3:17**
